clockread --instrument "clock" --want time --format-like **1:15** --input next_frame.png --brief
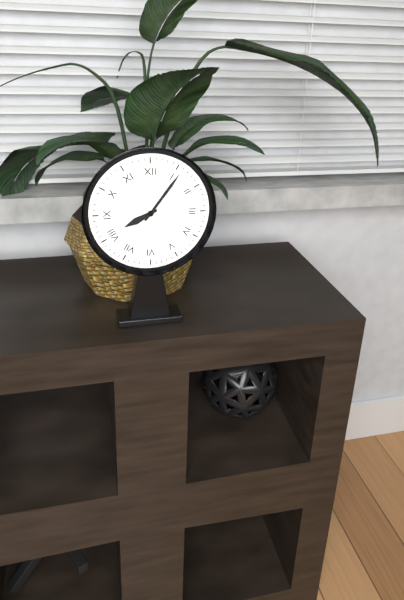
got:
**8:06**
